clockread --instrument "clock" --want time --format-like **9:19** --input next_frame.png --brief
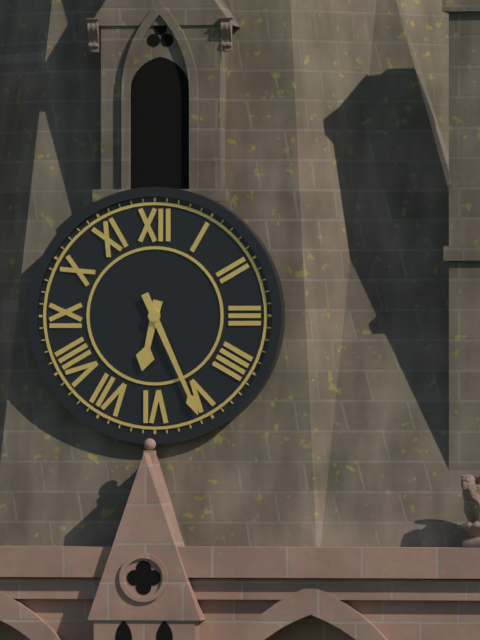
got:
**6:26**
